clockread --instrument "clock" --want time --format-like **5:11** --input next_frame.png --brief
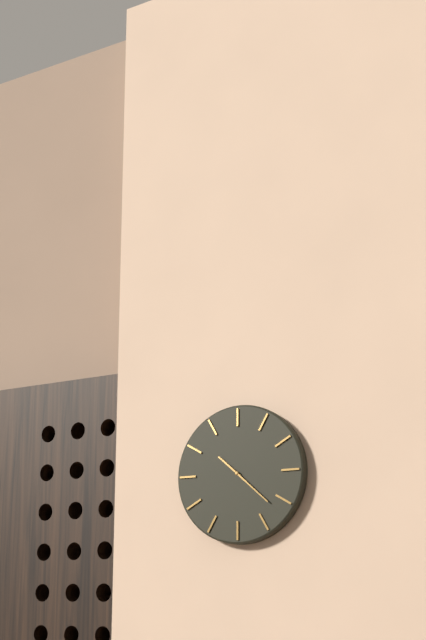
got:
**10:22**
